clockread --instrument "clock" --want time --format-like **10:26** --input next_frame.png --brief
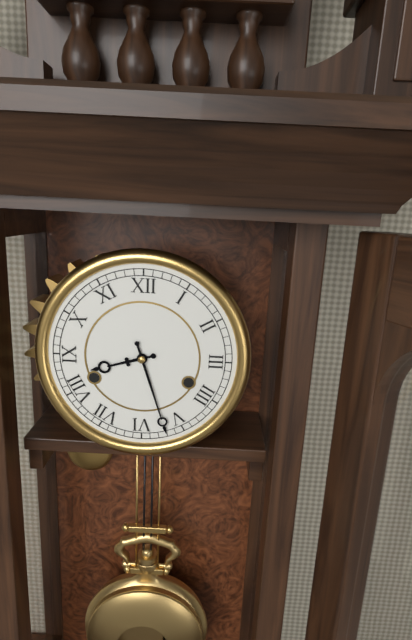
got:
**8:27**
